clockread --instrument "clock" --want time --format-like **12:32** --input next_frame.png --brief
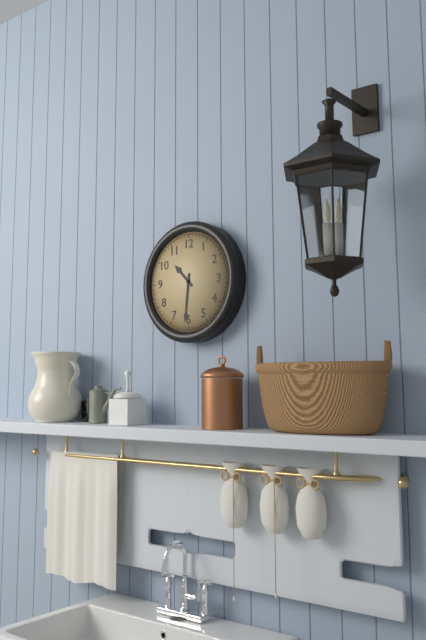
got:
**10:31**
